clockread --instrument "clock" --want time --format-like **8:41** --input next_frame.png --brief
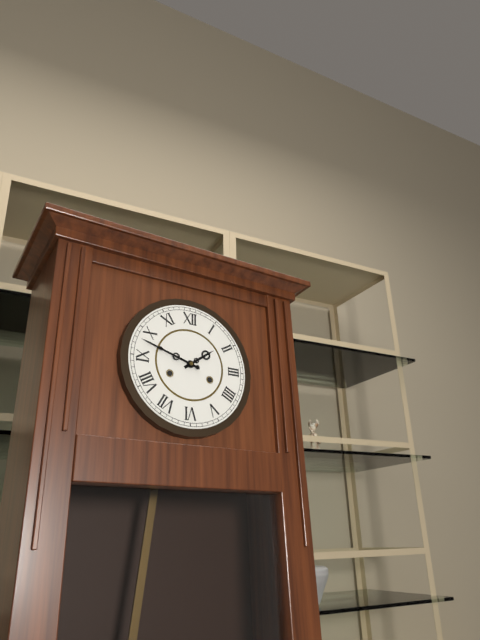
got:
**1:48**
